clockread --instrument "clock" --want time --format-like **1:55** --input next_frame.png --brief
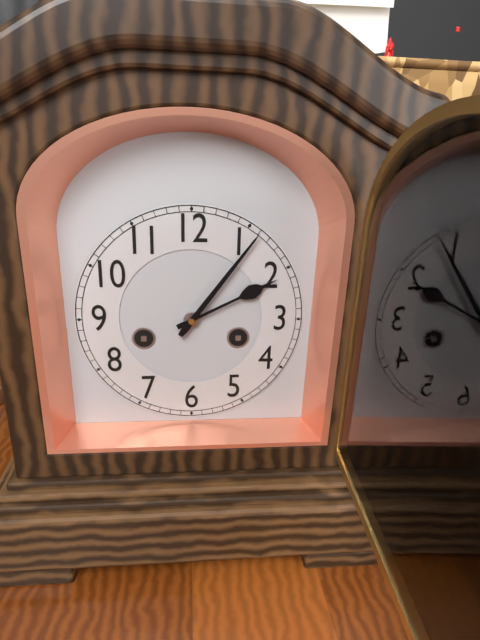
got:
**2:06**
